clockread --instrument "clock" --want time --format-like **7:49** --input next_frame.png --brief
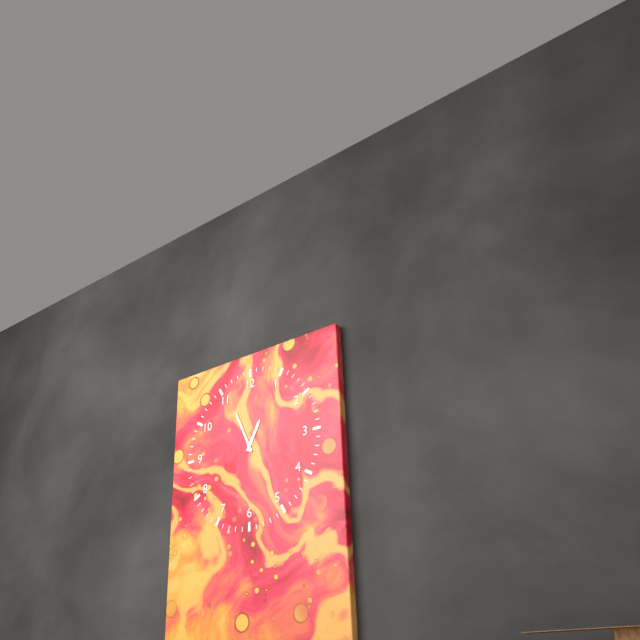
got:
**12:56**
